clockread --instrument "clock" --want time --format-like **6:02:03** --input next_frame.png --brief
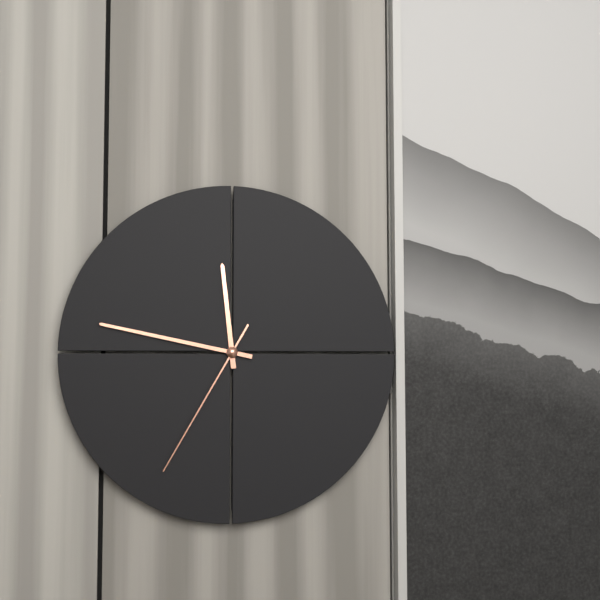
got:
**11:47:35**
